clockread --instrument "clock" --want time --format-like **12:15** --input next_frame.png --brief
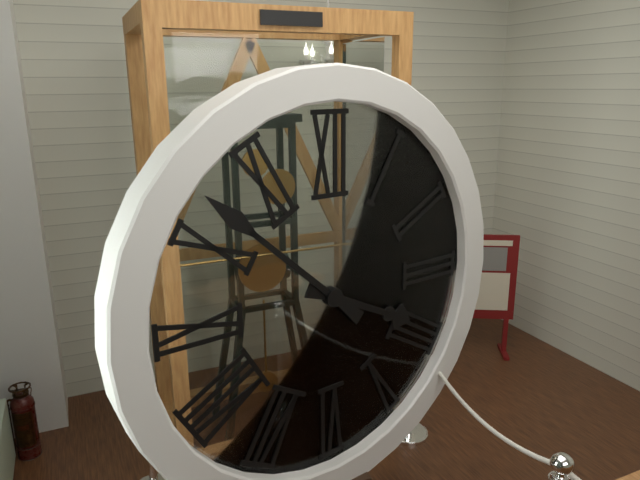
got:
**3:52**
